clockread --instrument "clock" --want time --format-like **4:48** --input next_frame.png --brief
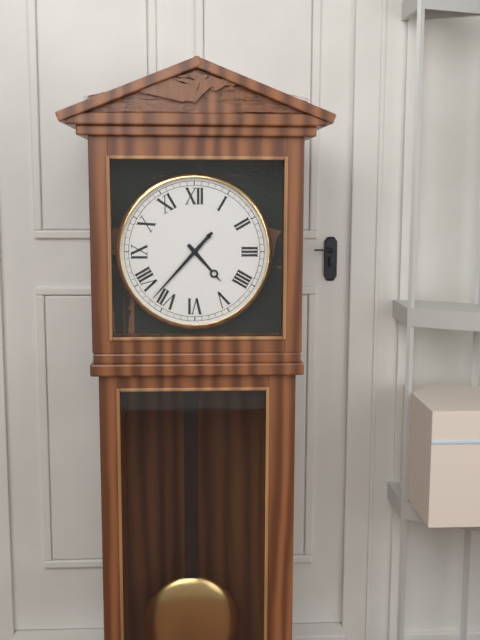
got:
**4:37**
